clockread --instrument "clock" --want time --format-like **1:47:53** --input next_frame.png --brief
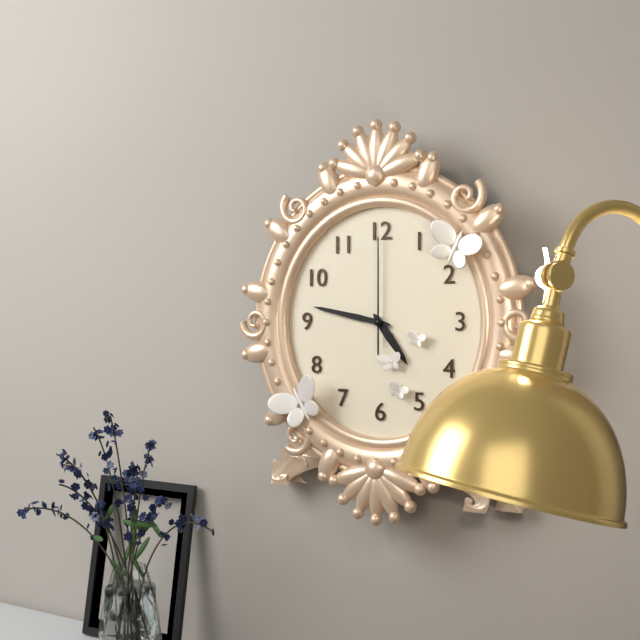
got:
**4:47:00**
